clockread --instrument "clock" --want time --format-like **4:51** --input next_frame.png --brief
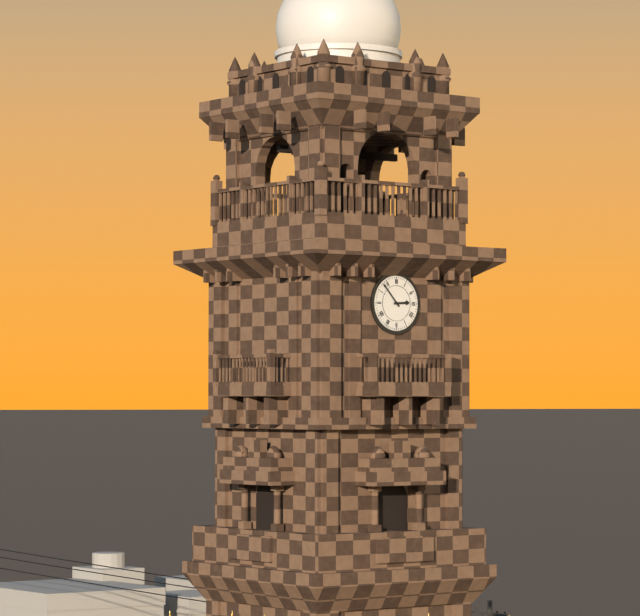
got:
**2:53**
